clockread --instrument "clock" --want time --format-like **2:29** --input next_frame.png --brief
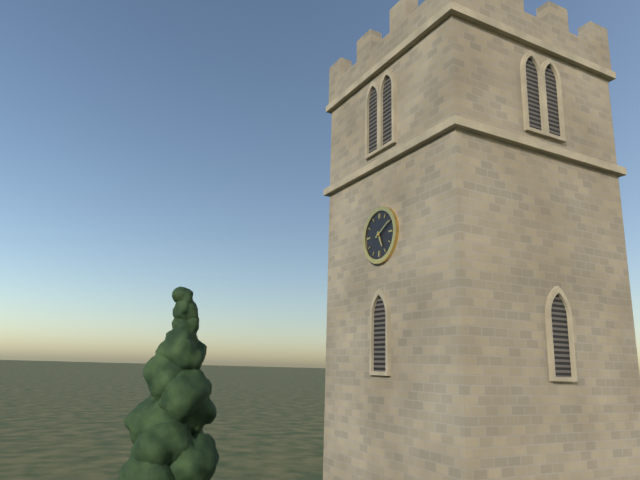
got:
**5:10**
